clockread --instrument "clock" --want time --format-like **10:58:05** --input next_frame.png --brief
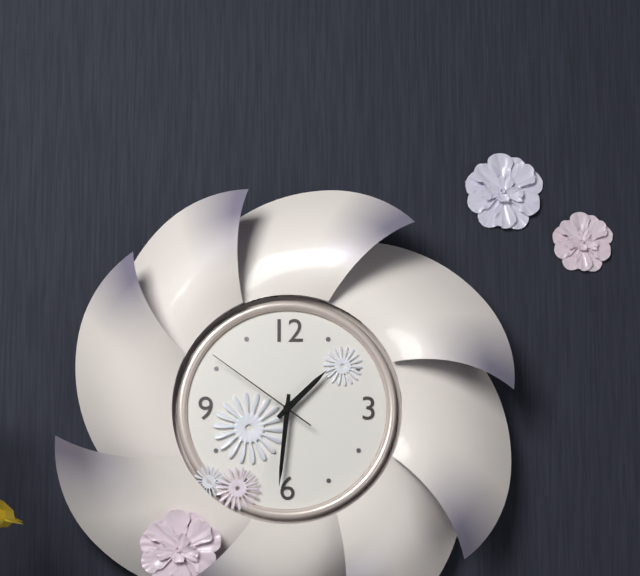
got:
**1:31:51**
